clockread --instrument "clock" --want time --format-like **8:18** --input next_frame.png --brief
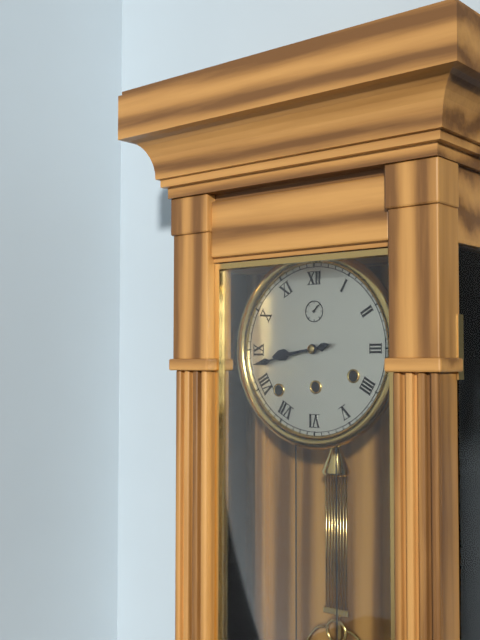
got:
**8:43**
